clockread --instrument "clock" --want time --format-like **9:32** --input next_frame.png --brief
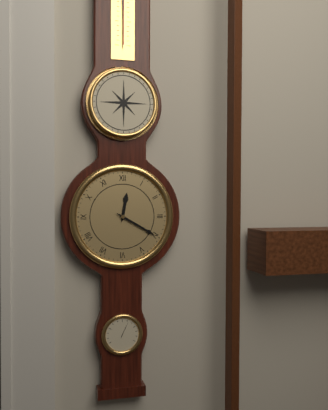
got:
**12:20**
